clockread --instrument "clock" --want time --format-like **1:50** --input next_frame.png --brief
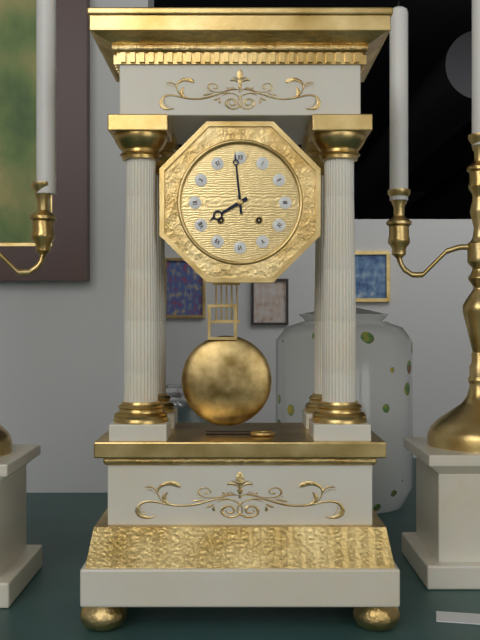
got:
**7:59**
